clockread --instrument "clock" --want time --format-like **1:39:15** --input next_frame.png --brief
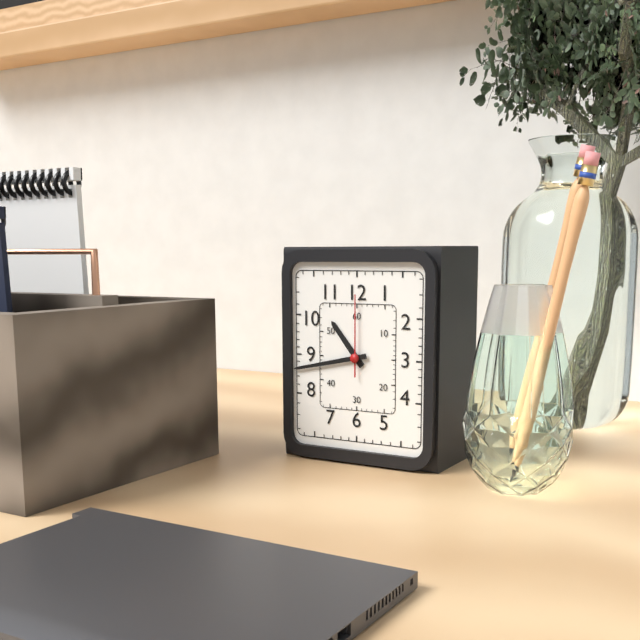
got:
**10:43:00**
